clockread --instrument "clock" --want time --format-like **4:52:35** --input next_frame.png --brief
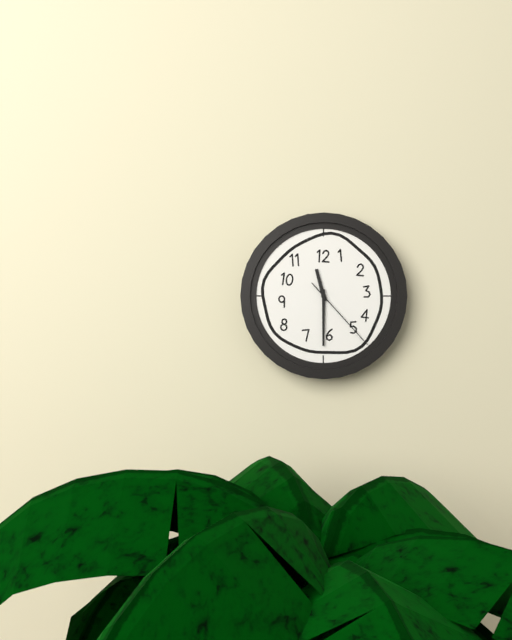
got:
**11:30:23**
